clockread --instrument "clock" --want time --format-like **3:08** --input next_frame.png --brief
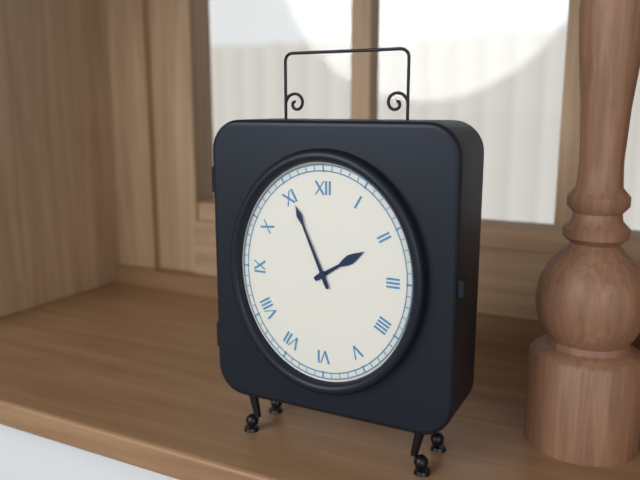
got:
**1:56**
